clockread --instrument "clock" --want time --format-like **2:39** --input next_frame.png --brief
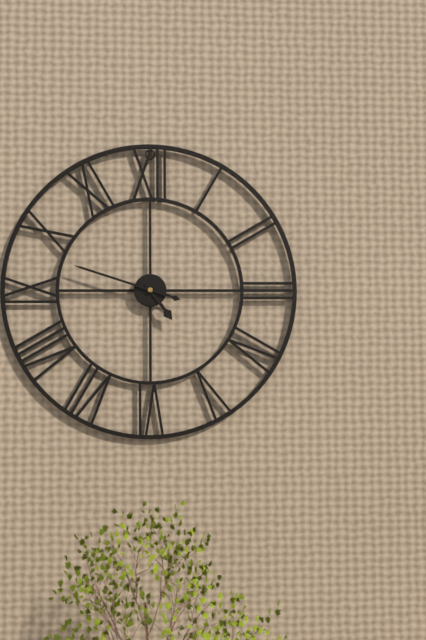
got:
**4:48**
